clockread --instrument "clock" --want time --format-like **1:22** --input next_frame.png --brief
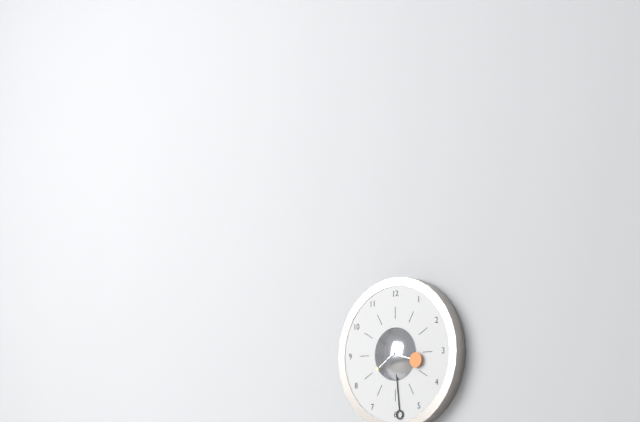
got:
**3:29**
